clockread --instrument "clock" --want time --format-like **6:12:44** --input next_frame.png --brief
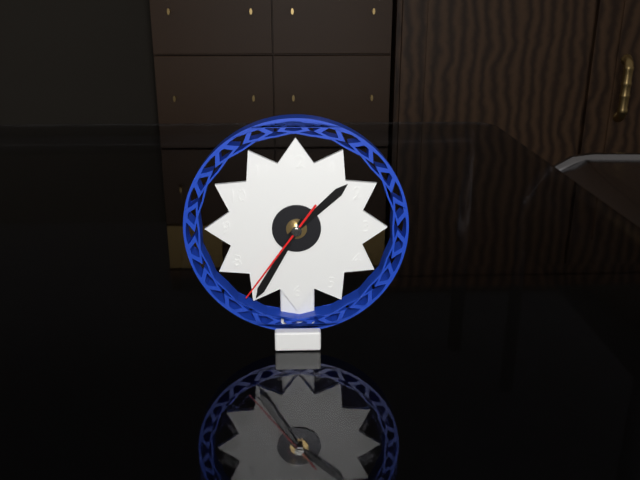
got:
**1:35:36**
